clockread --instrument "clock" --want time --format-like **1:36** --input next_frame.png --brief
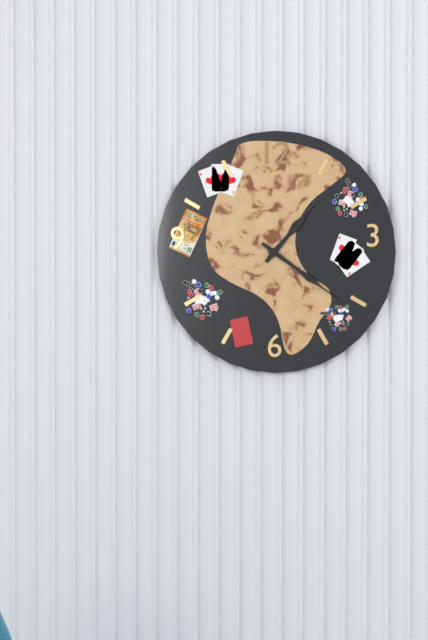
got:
**1:21**
